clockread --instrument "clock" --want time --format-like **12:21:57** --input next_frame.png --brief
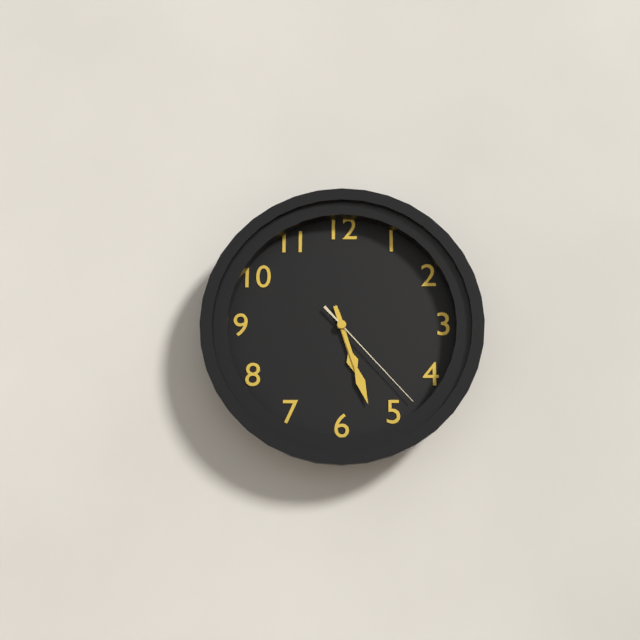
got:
**5:27:23**
